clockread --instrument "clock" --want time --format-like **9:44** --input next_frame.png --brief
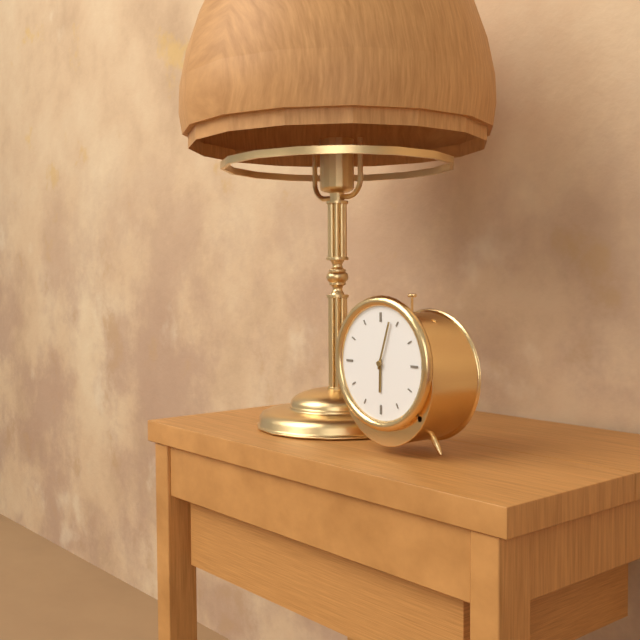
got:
**6:03**
